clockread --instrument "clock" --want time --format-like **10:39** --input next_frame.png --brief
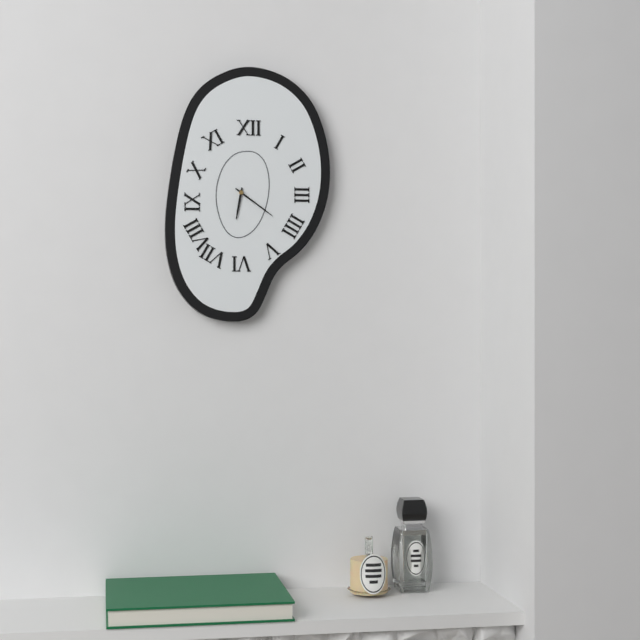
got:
**6:21**
